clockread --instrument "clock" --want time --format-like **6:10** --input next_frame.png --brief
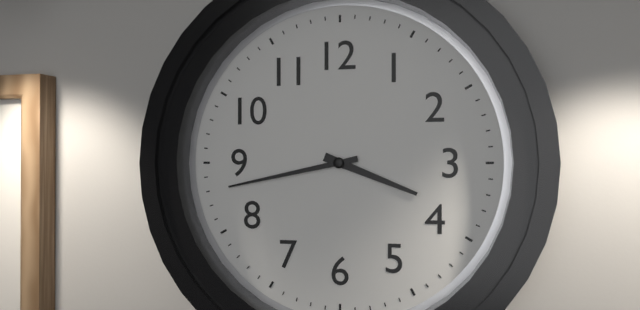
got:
**3:43**
